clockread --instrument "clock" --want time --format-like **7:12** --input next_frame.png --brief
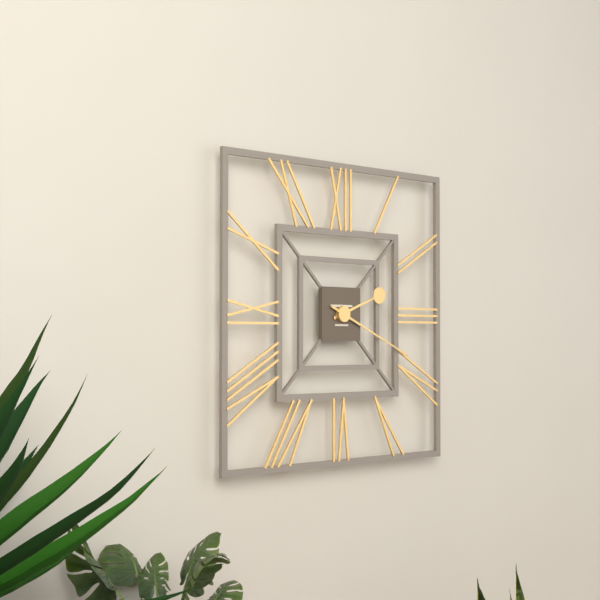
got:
**2:19**
